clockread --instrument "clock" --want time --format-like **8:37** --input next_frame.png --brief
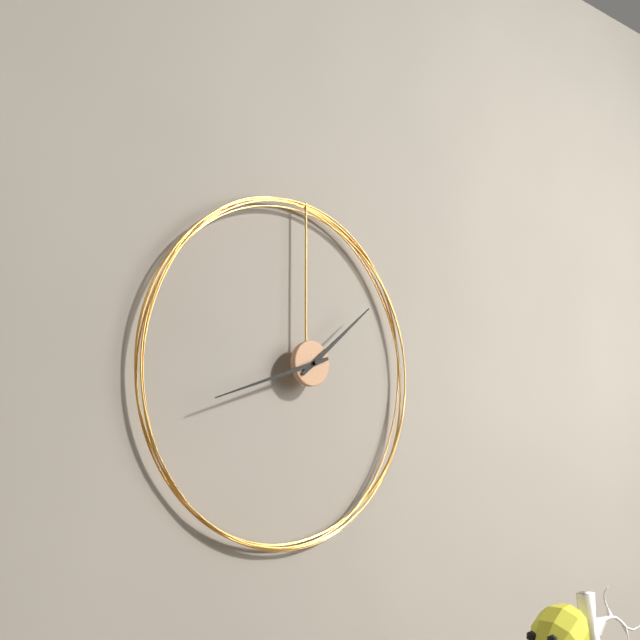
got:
**1:42**
